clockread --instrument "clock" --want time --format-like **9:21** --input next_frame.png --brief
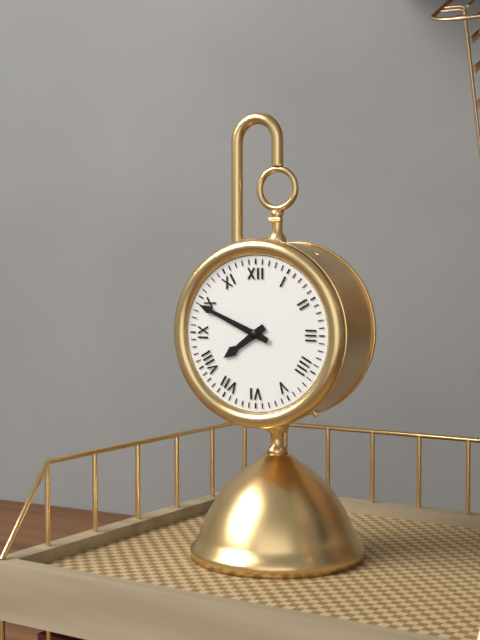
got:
**7:49**
